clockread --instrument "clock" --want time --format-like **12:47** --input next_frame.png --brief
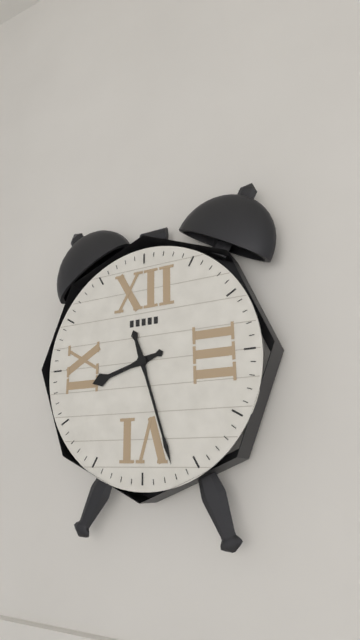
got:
**8:27**
